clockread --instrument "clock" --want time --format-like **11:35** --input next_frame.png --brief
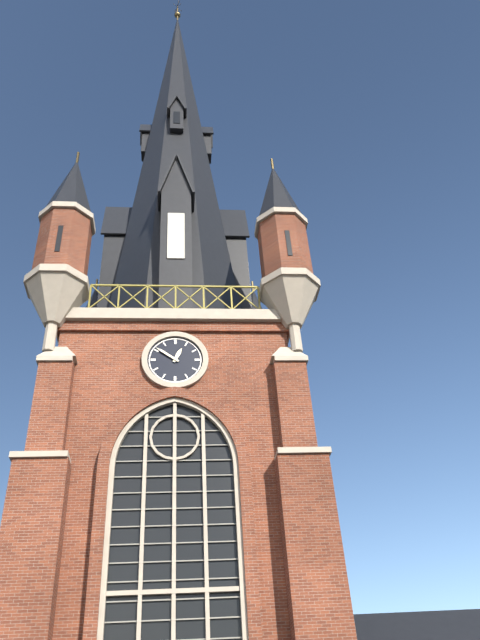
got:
**12:51**
